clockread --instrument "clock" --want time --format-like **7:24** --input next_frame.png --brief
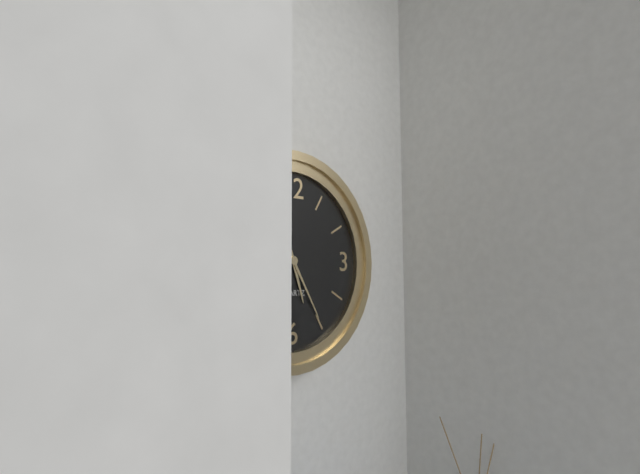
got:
**5:25**
